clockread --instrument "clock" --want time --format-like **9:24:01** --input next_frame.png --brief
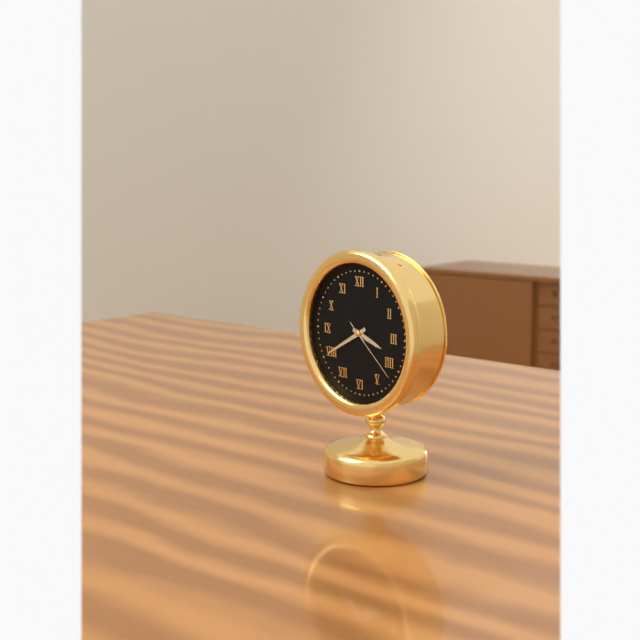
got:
**3:40:22**
